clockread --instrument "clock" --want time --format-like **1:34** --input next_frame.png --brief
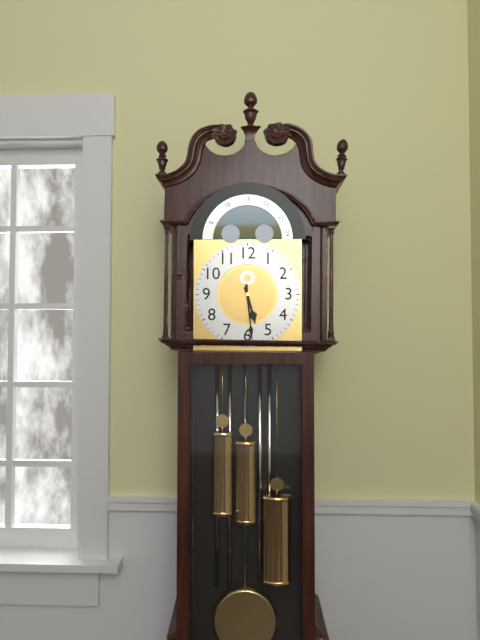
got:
**5:29**
